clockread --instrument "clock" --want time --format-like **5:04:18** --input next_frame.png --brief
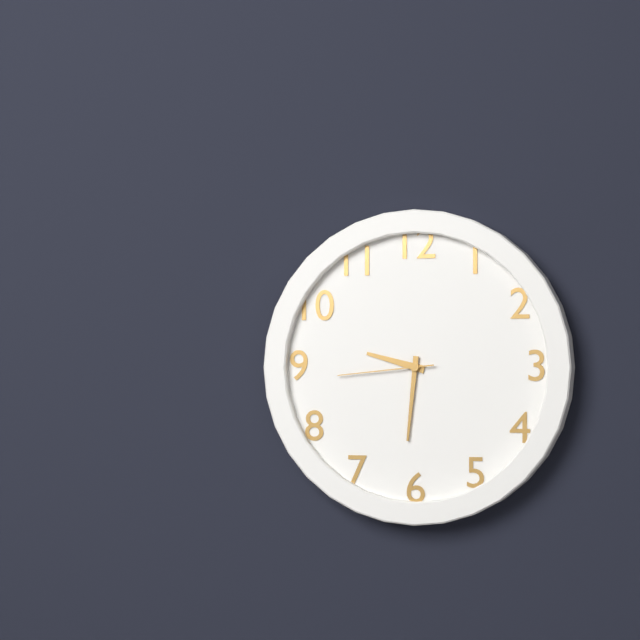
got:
**9:31:44**
